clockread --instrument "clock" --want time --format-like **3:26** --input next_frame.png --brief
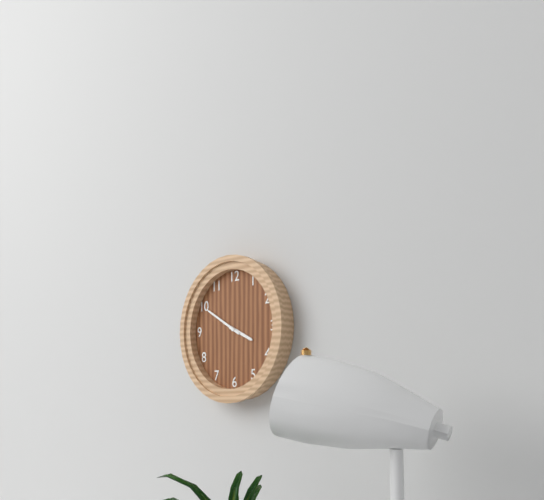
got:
**3:50**
